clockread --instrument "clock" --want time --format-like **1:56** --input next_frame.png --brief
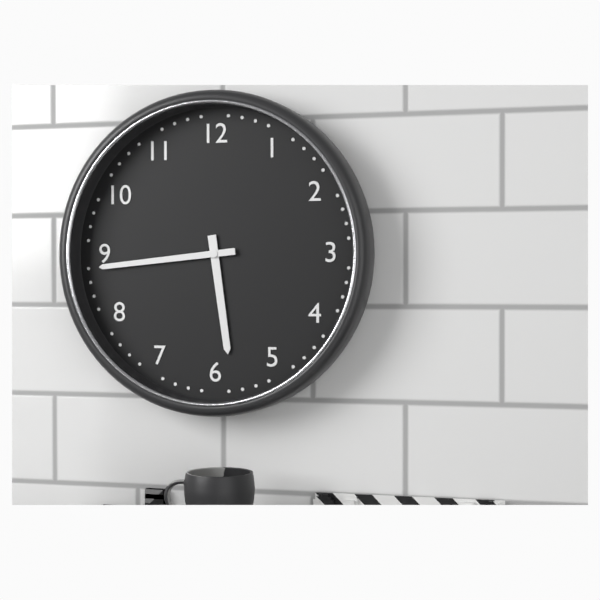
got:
**5:44**
